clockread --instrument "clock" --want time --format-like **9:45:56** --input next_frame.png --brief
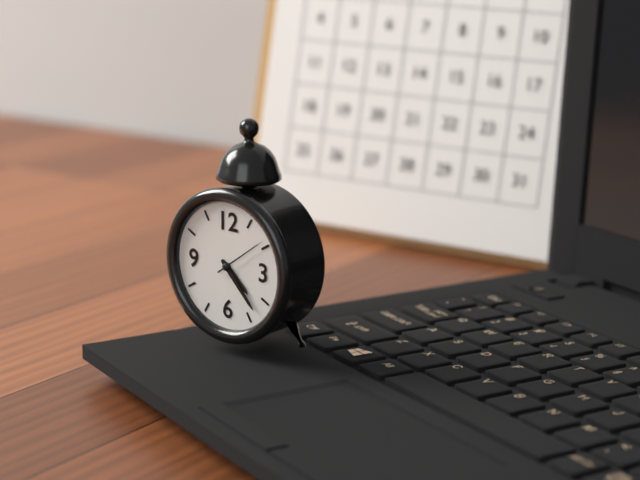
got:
**4:23:09**
